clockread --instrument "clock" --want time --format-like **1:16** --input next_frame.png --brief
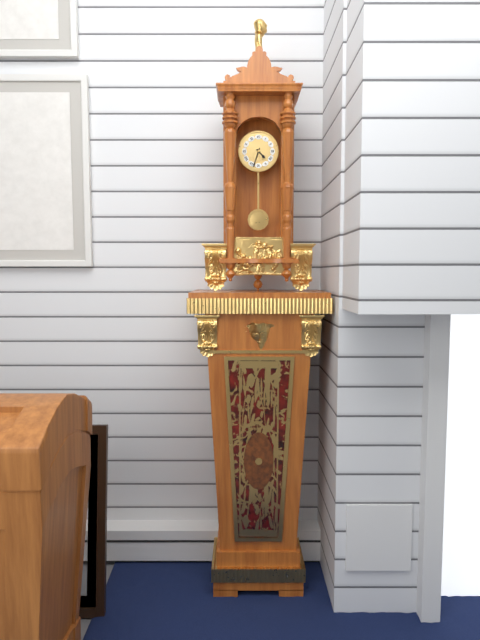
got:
**4:33**
